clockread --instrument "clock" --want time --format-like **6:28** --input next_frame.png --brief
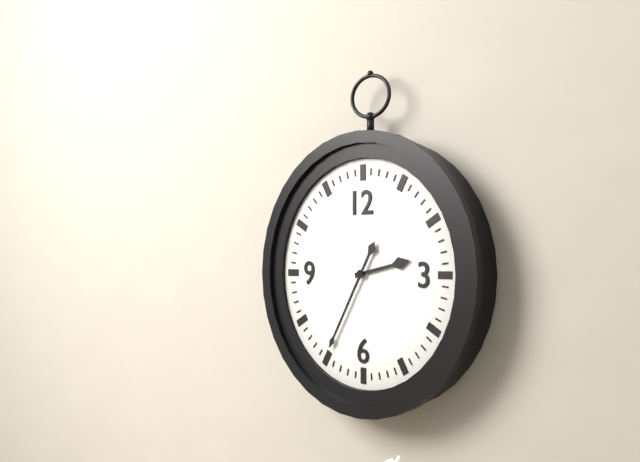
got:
**2:35**
